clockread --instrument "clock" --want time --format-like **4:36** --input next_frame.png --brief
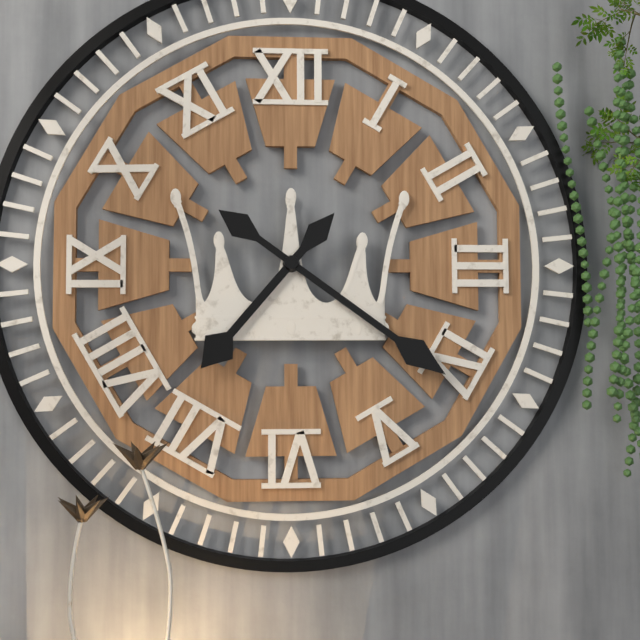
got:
**7:21**
